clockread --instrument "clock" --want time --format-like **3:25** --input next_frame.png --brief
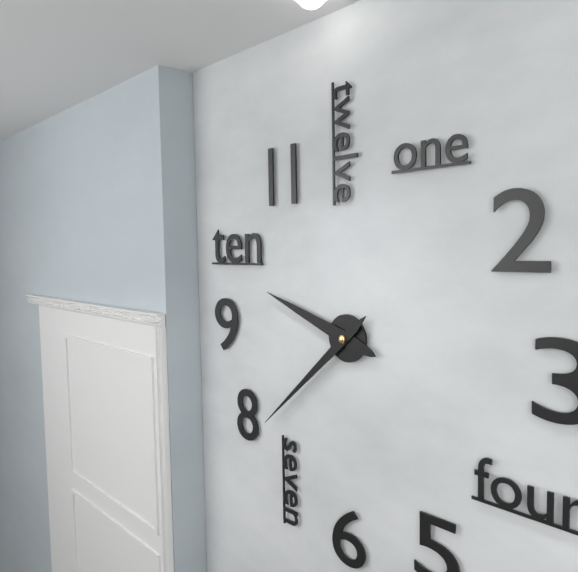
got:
**9:38**
